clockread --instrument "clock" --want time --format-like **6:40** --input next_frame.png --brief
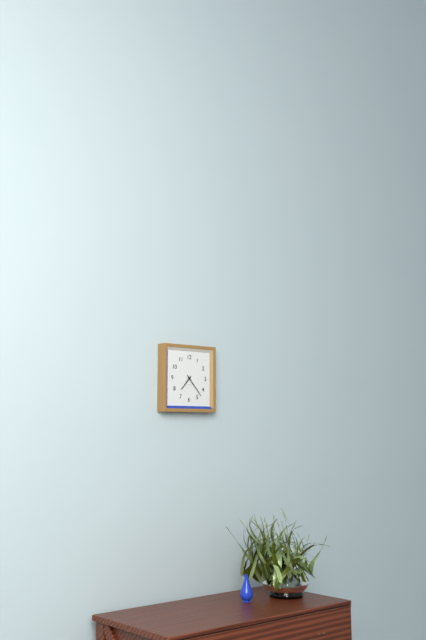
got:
**7:23**
